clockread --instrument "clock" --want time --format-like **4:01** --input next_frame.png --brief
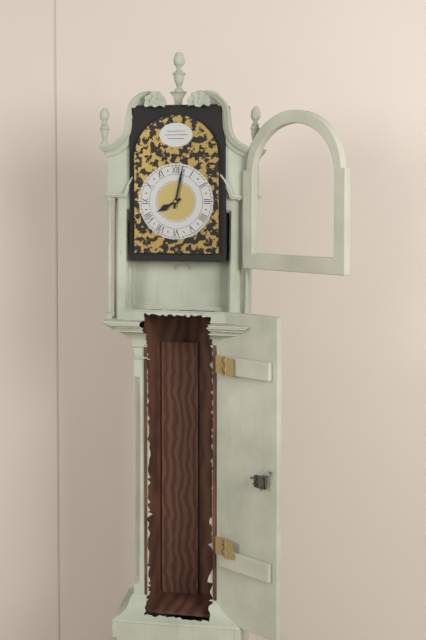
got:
**8:02**
